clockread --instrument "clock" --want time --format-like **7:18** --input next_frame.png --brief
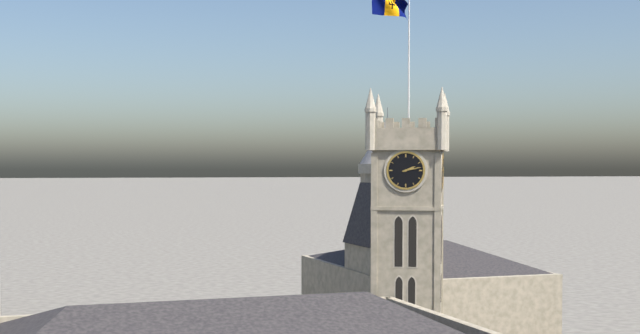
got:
**2:13**
